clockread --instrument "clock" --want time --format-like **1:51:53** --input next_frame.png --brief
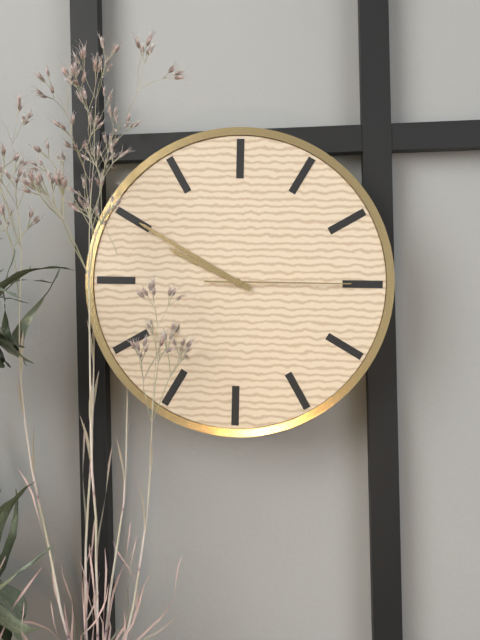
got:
**9:50:15**
